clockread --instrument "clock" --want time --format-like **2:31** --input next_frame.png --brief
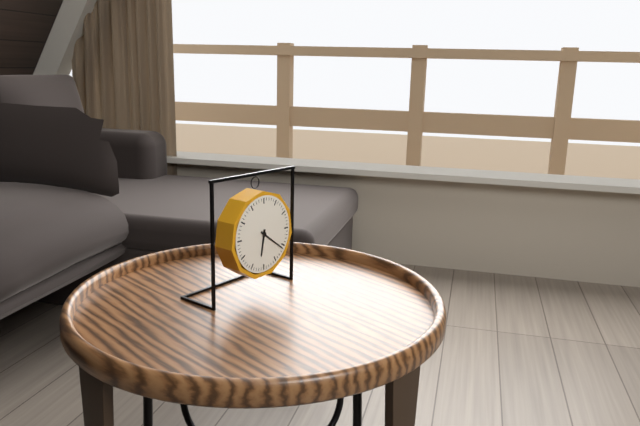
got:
**6:21**
